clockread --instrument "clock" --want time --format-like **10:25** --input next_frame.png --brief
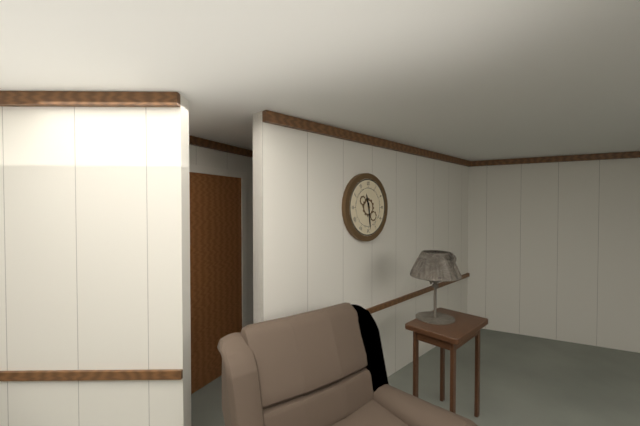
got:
**11:29**
